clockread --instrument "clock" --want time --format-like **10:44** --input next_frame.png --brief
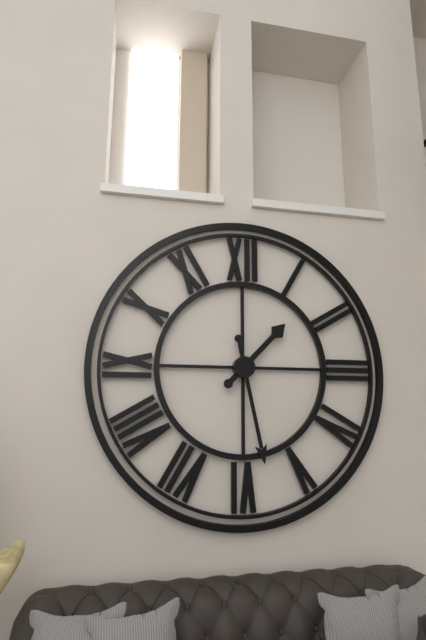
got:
**1:28**
